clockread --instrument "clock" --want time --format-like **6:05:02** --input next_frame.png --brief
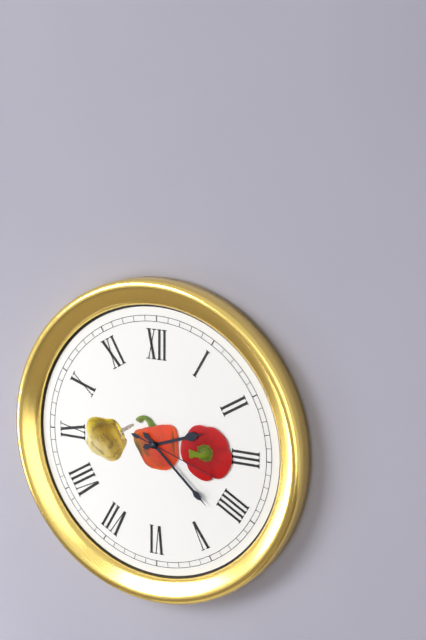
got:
**2:22:18**
